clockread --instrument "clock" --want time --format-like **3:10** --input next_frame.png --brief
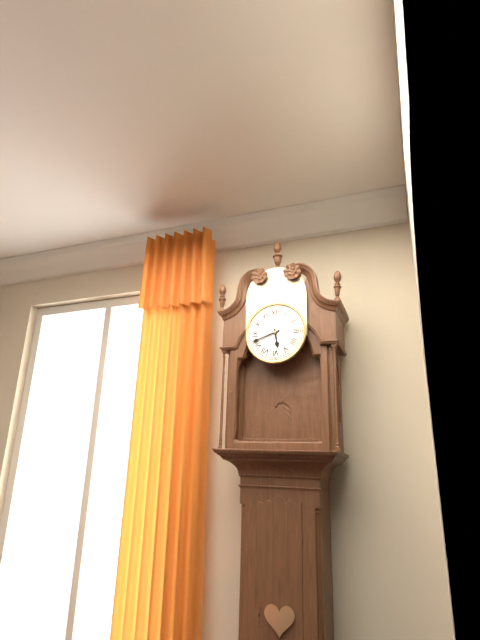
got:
**5:42**
